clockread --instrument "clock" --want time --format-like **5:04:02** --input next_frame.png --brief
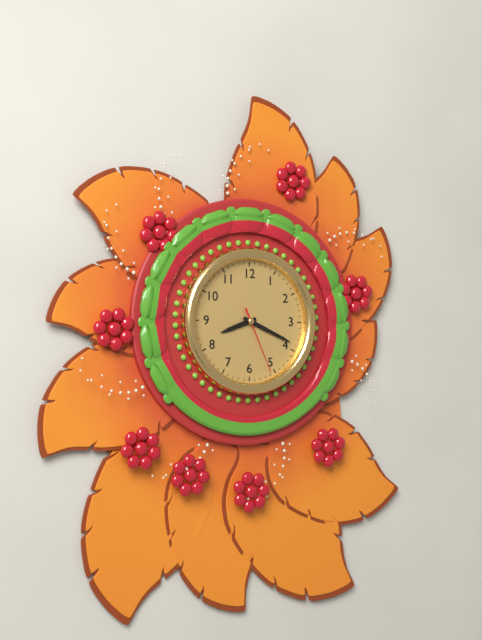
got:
**8:19:26**
